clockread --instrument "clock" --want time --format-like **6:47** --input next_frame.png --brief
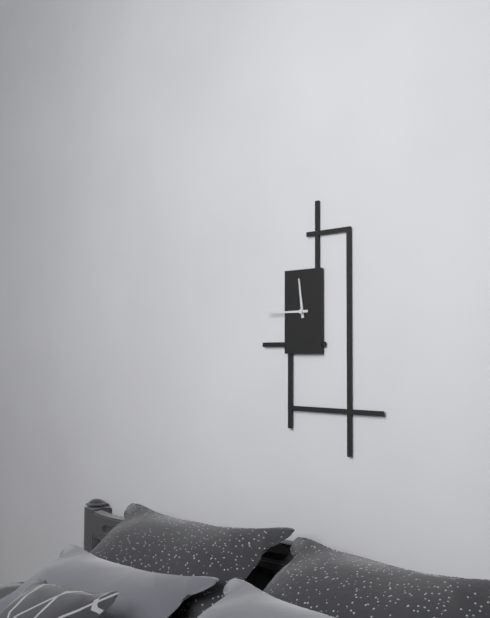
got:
**11:45**
